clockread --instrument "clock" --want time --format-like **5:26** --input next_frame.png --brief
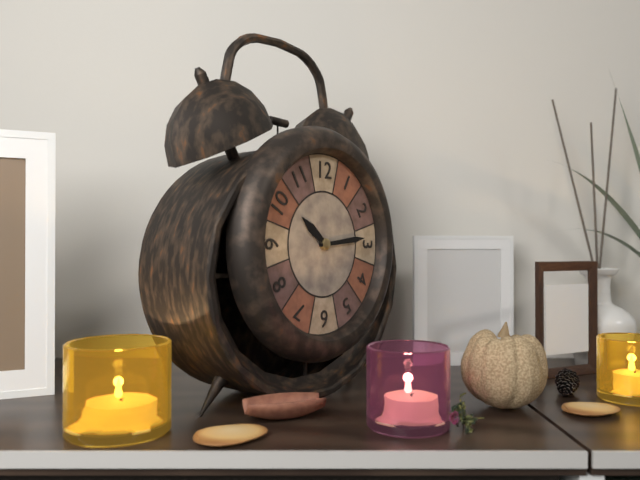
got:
**10:14**
